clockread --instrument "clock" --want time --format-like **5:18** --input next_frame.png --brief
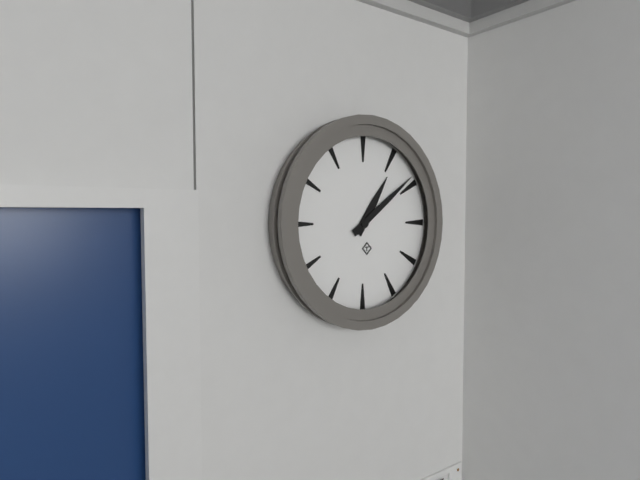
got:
**1:09**
